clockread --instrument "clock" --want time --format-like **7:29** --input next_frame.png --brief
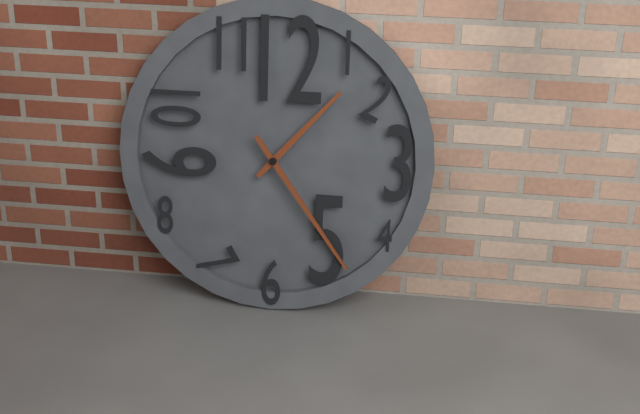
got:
**1:24**
